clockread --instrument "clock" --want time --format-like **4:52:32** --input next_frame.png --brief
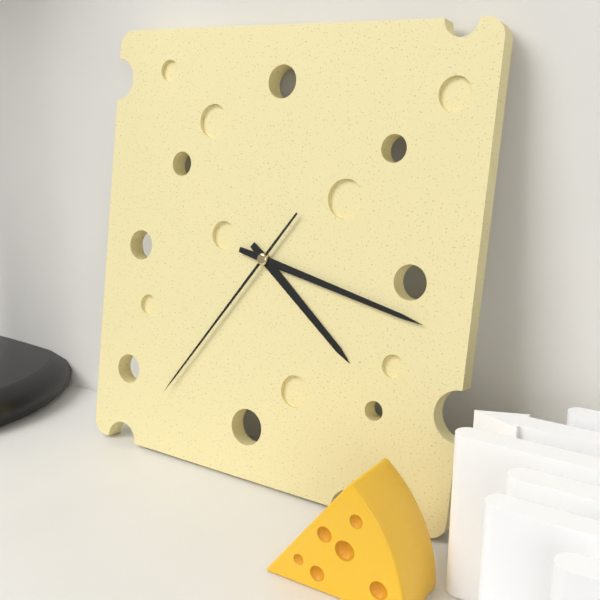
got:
**4:17:36**
